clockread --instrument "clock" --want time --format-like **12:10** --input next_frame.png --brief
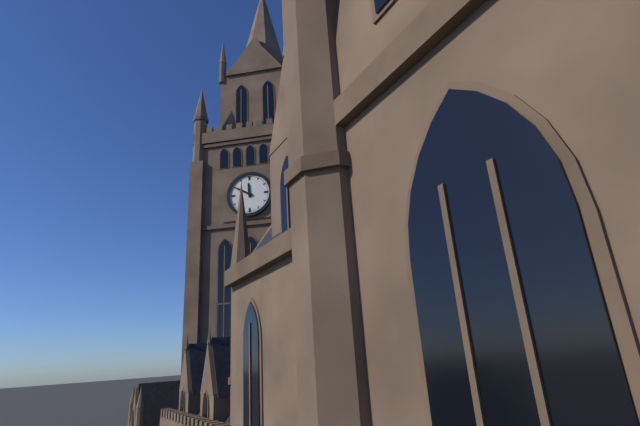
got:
**11:50**
